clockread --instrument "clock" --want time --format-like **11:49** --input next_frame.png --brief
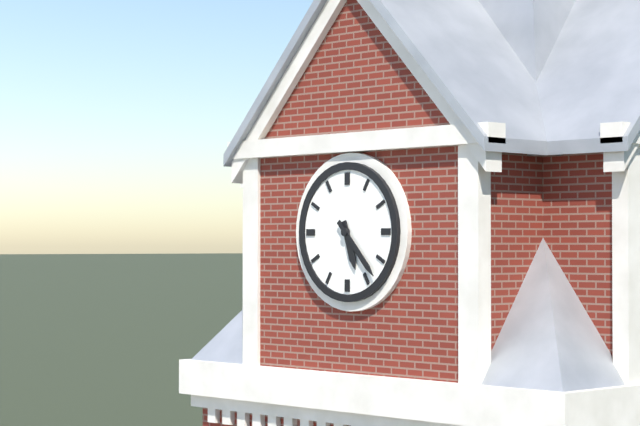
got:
**5:23**
